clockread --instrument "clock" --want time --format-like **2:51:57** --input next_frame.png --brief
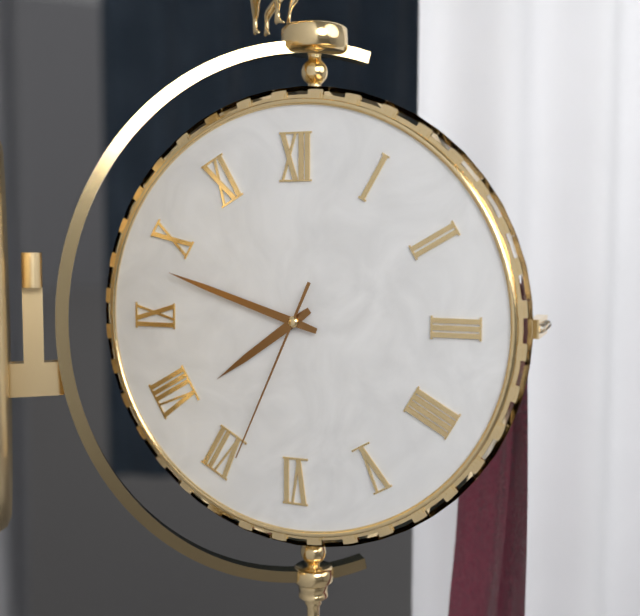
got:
**7:48:34**
